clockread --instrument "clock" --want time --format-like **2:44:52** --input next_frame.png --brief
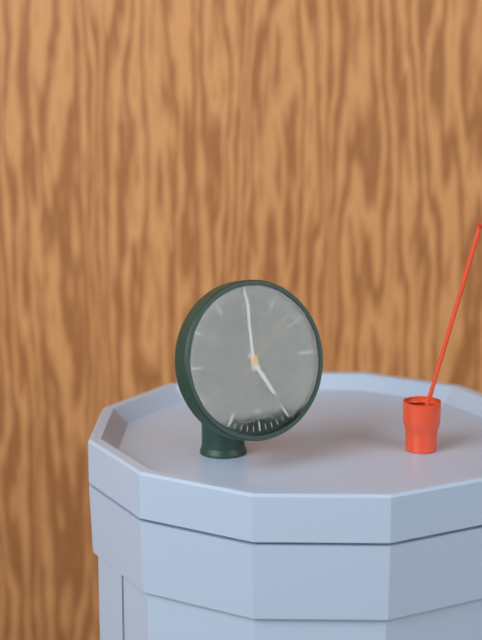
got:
**5:00:08**
